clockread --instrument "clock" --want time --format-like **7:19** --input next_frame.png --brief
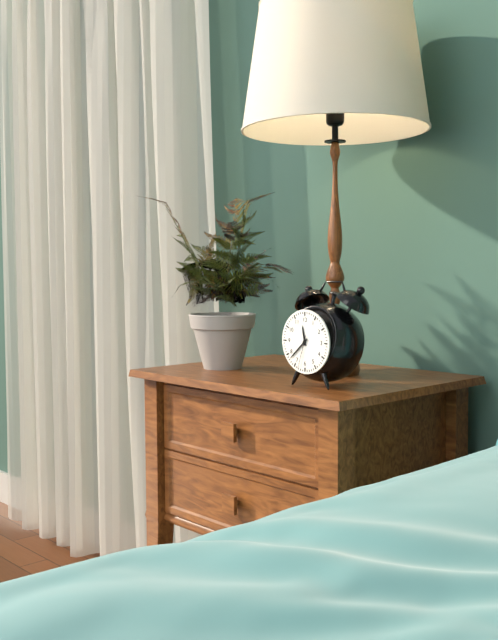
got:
**11:38**
